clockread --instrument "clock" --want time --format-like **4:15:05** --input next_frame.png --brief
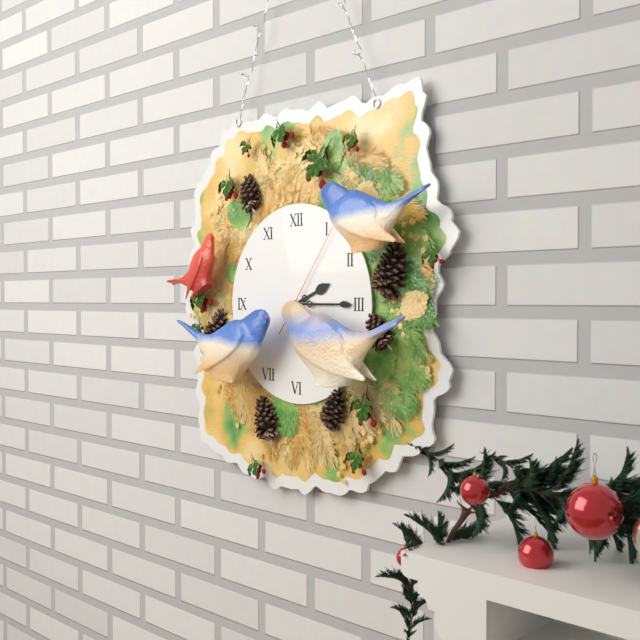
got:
**2:15:06**
